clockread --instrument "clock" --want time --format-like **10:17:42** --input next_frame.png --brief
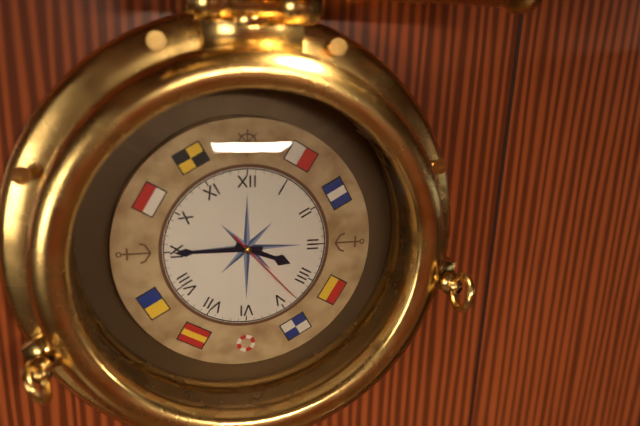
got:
**3:45:23**
